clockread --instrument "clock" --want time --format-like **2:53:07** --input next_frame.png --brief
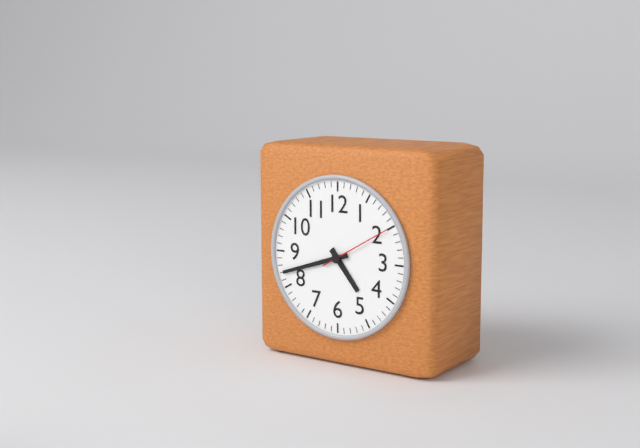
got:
**4:42:10**
